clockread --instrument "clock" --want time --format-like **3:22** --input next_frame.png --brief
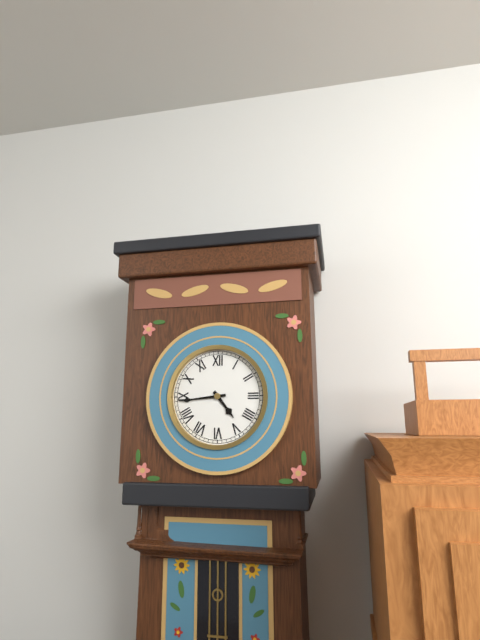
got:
**4:44**
